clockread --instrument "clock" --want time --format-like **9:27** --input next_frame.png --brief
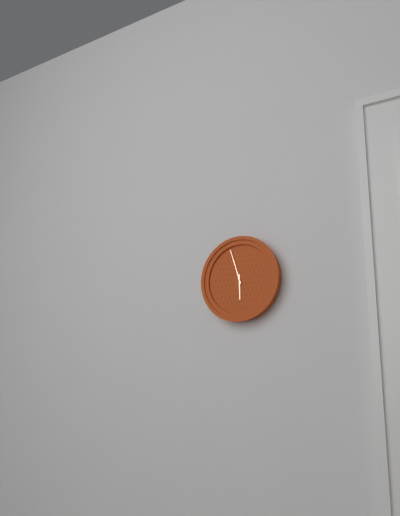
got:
**5:57**
